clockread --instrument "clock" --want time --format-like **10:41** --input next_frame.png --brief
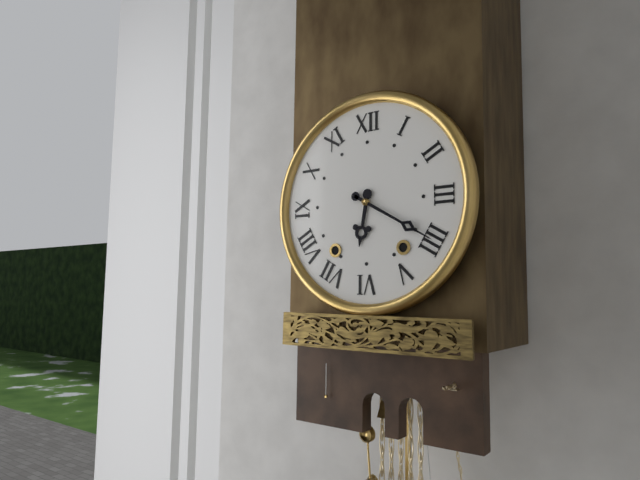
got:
**6:20**
